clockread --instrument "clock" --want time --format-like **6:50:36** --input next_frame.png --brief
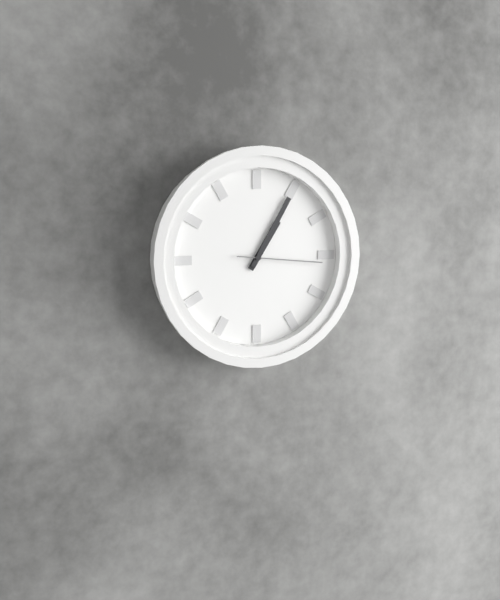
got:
**1:05:16**
